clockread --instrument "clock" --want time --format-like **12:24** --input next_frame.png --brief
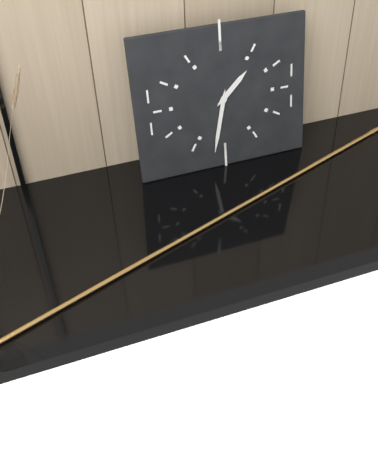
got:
**1:32**
